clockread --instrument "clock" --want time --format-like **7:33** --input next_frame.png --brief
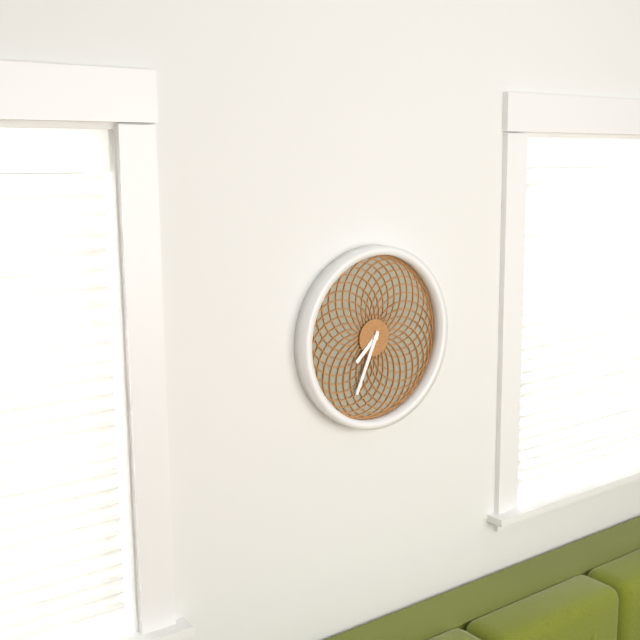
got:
**7:34**
